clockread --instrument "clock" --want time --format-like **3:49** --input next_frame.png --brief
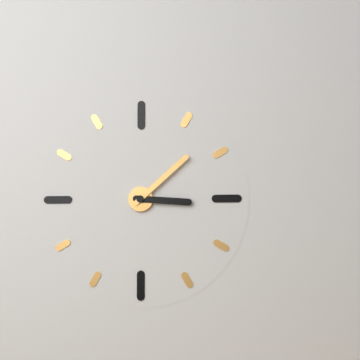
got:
**3:08**
